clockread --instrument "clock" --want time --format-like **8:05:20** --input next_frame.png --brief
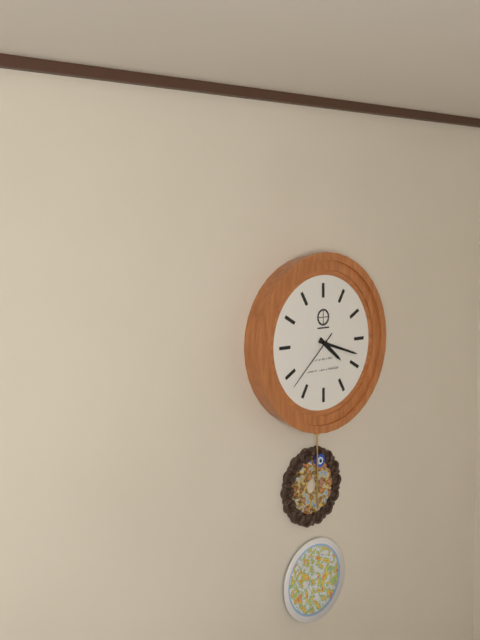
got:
**4:18:38**
